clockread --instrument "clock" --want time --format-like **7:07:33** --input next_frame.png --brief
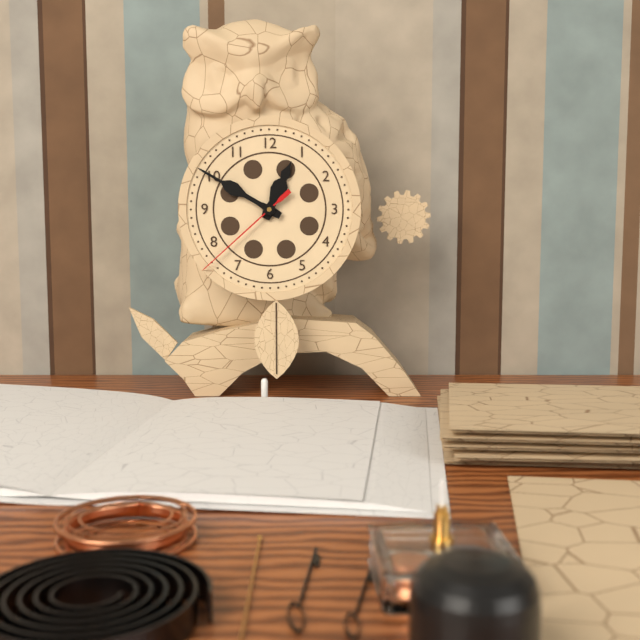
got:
**12:50:38**
